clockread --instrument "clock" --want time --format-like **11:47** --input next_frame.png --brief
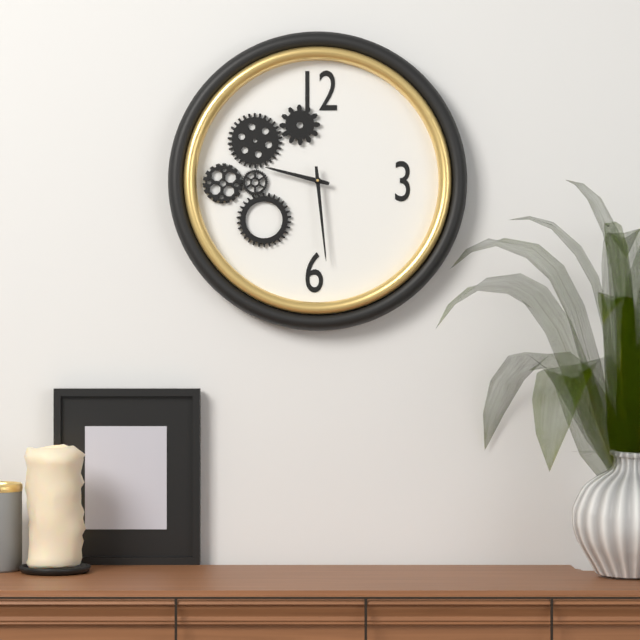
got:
**9:29**
